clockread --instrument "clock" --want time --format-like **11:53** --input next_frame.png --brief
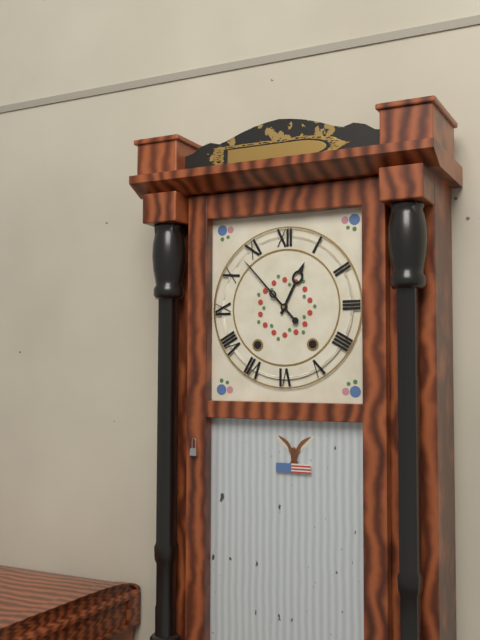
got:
**12:53**
